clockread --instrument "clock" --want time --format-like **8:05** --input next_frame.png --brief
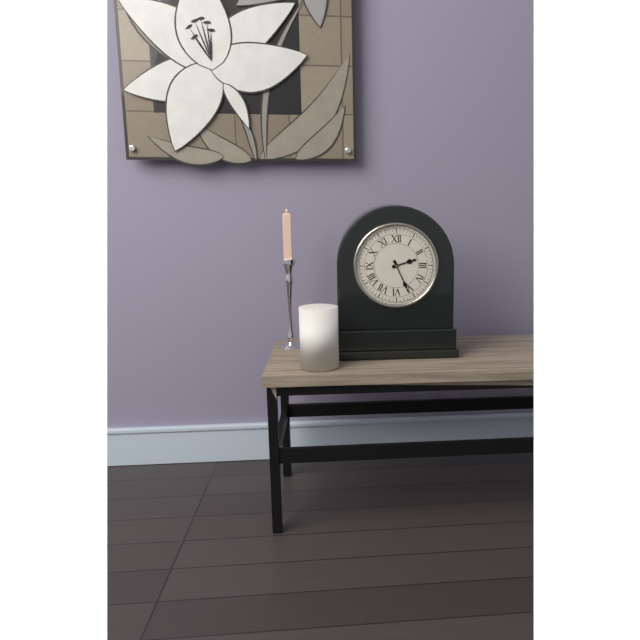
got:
**2:26**
